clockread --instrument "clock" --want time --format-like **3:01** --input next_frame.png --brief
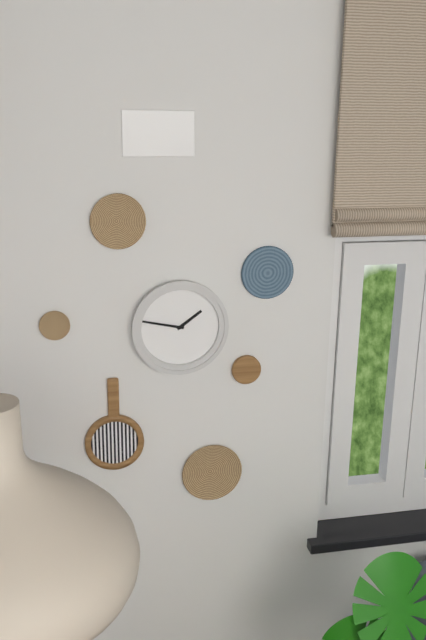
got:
**1:47**
